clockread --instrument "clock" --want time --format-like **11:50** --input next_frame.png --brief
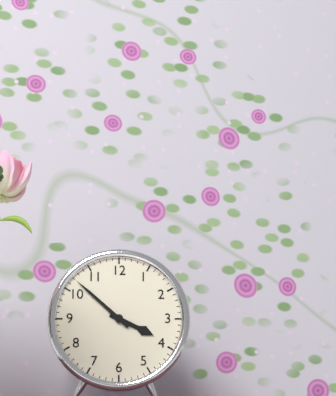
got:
**3:52**
